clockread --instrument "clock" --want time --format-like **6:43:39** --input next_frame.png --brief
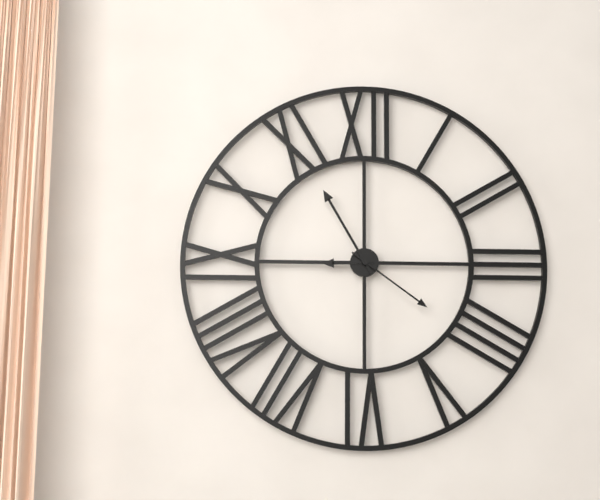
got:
**8:55:21**
